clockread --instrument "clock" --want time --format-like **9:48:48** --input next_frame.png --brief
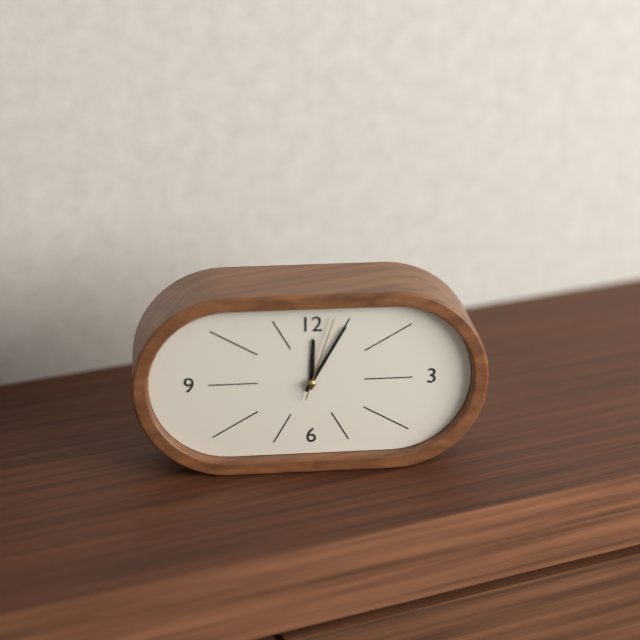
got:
**12:05:03**
